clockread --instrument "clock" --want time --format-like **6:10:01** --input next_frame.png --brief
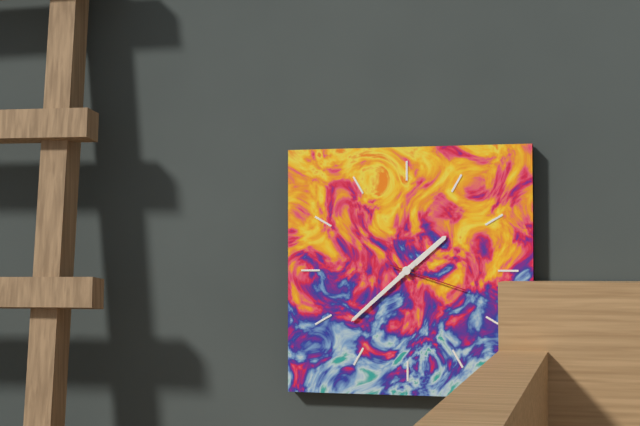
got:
**1:38:18**
